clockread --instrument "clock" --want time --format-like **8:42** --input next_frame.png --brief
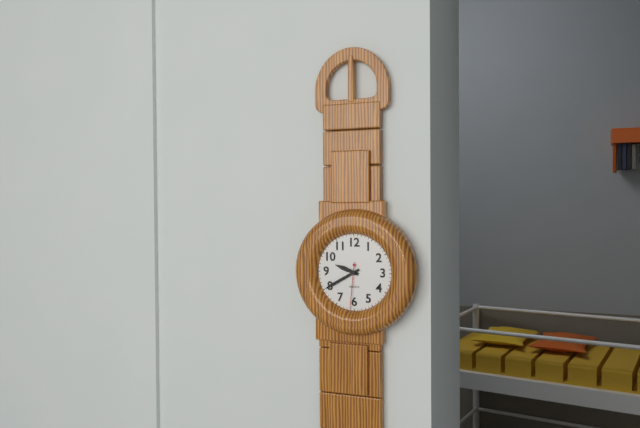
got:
**9:40**
